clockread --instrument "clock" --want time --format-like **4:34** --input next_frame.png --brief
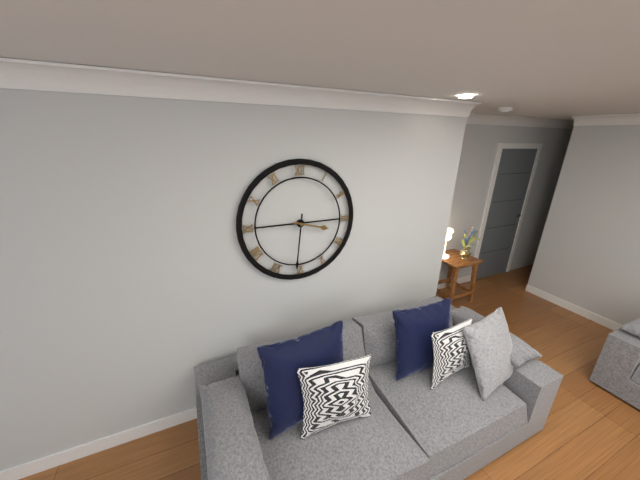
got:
**3:31**
